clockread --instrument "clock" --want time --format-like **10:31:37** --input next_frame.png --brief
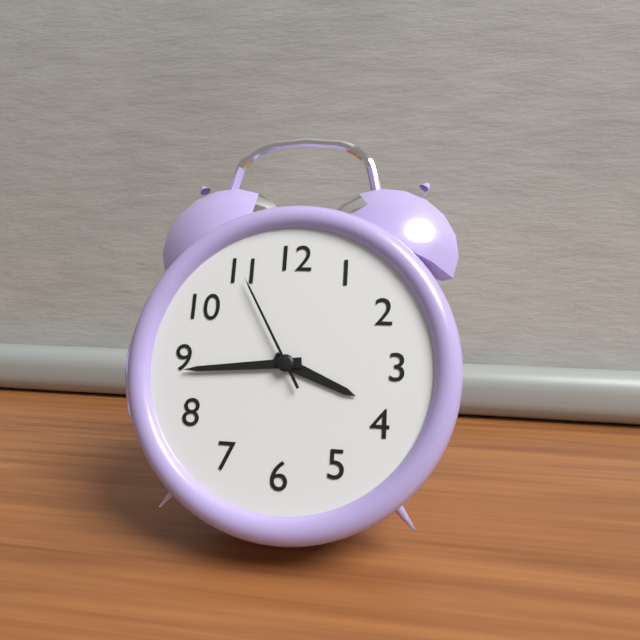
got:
**3:44:55**
